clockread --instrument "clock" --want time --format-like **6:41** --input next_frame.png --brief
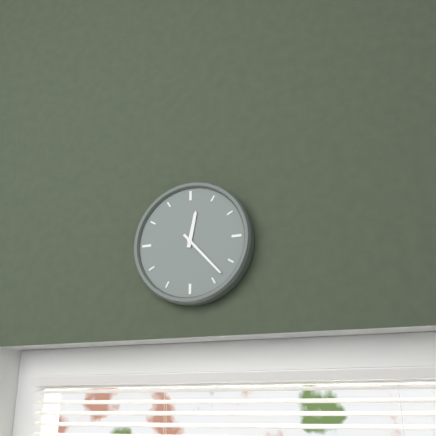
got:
**12:23**
